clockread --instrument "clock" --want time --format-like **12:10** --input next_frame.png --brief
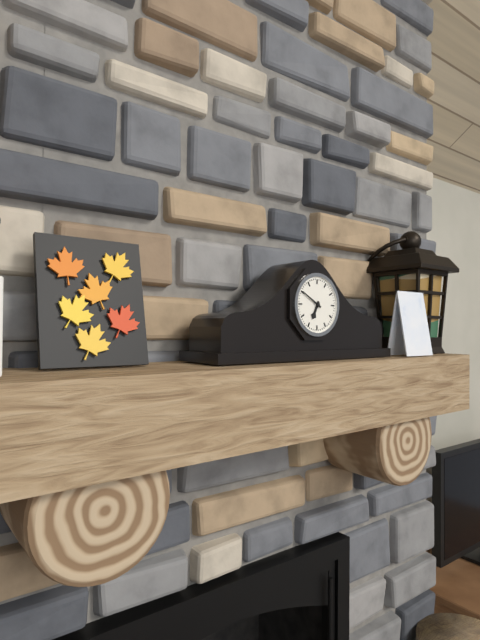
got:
**6:50**
